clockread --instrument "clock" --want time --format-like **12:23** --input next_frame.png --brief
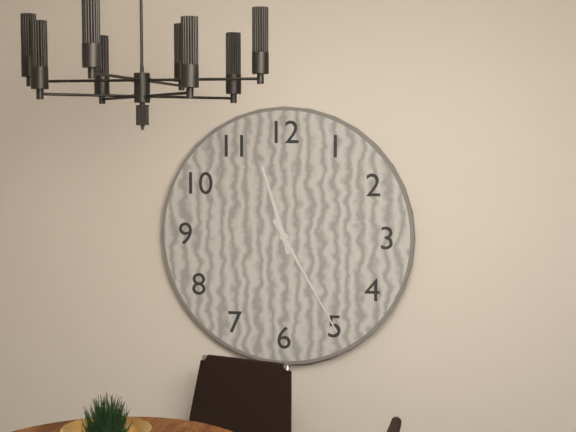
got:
**11:25**
